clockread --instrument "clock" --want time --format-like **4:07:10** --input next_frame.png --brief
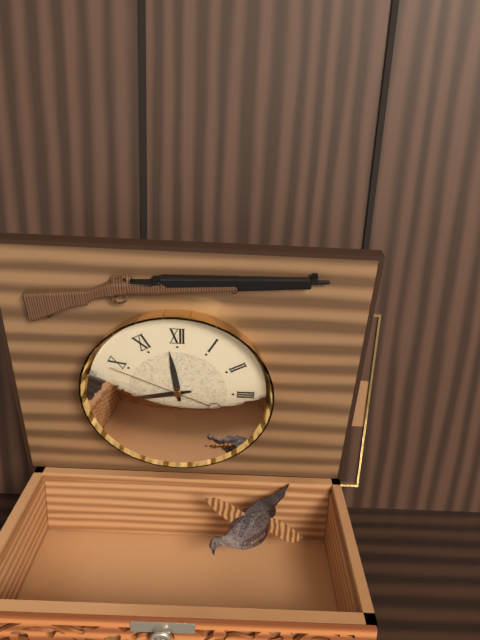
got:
**11:43:49**
